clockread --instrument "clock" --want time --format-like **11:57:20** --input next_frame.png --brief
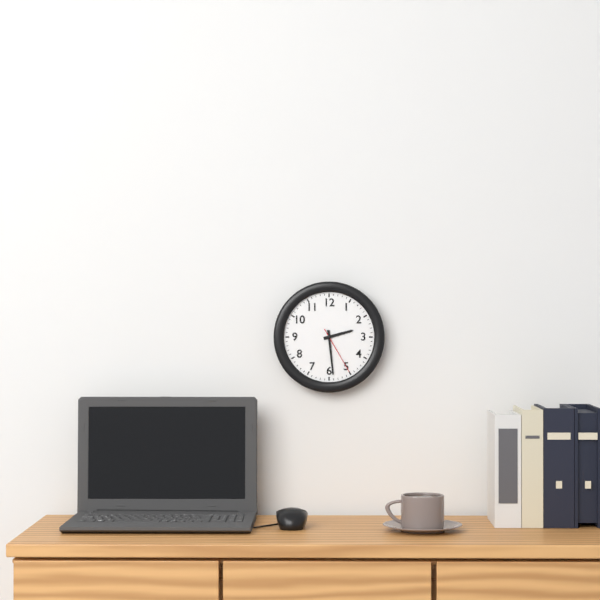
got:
**2:29:25**
